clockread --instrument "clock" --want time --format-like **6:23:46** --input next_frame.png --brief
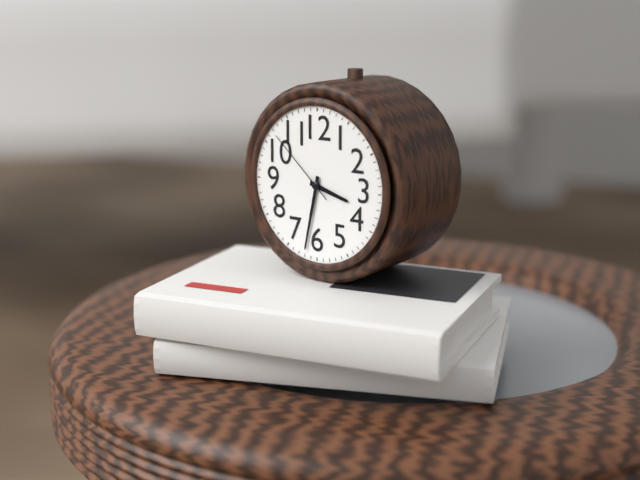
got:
**3:32:52**
